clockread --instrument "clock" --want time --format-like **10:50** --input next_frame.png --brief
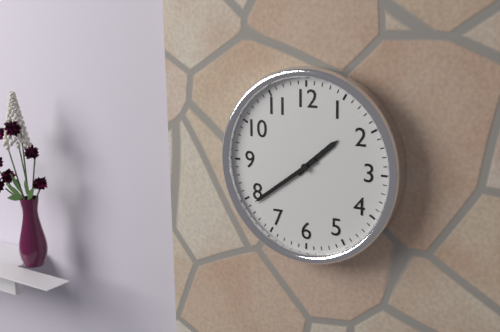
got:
**1:39**
